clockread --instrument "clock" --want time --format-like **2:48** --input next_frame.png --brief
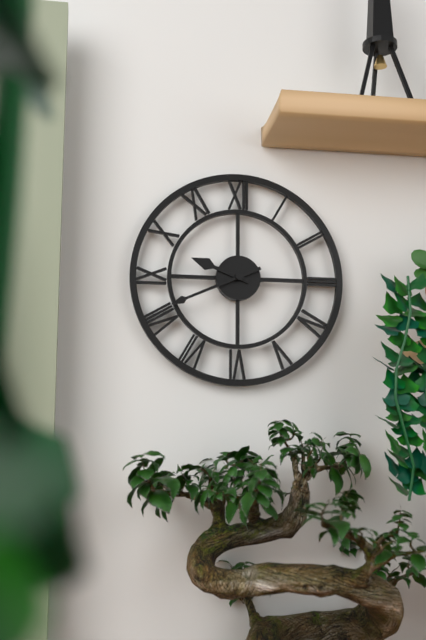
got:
**9:41**
